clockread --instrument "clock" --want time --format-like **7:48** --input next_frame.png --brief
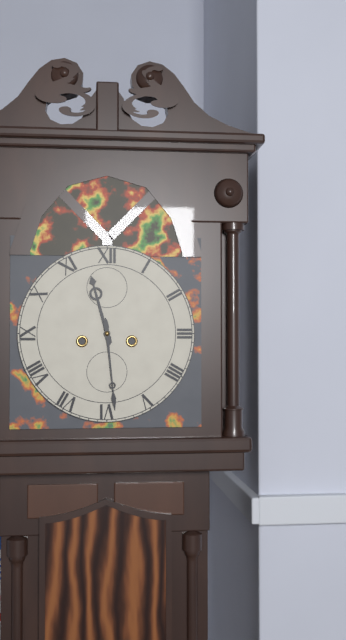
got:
**11:29**
